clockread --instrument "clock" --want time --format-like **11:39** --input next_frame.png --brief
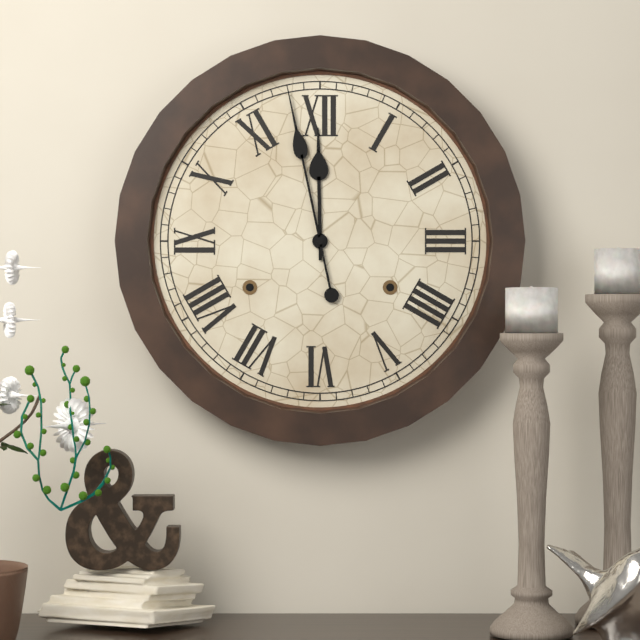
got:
**11:58**
